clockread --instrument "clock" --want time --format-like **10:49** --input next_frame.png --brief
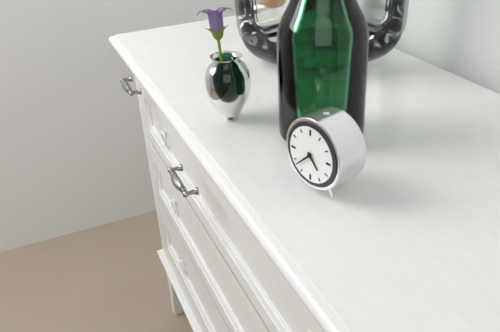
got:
**4:38**
